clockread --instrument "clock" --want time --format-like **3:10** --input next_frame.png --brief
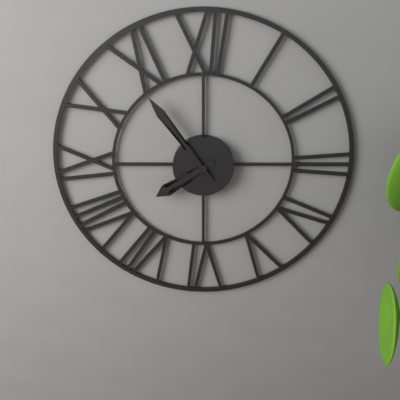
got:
**7:54**
